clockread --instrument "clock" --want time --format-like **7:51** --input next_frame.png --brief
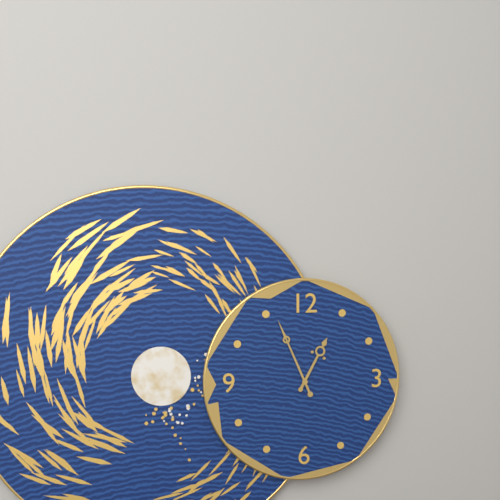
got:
**12:56**
